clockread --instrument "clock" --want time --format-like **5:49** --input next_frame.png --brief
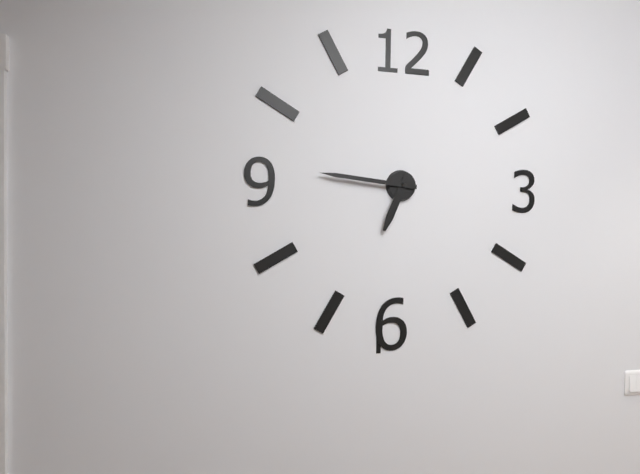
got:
**6:46**
